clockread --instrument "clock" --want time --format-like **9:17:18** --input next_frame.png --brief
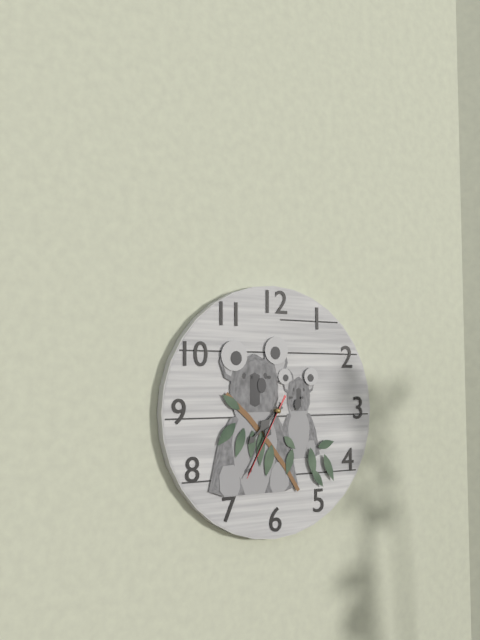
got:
**7:35:35**
